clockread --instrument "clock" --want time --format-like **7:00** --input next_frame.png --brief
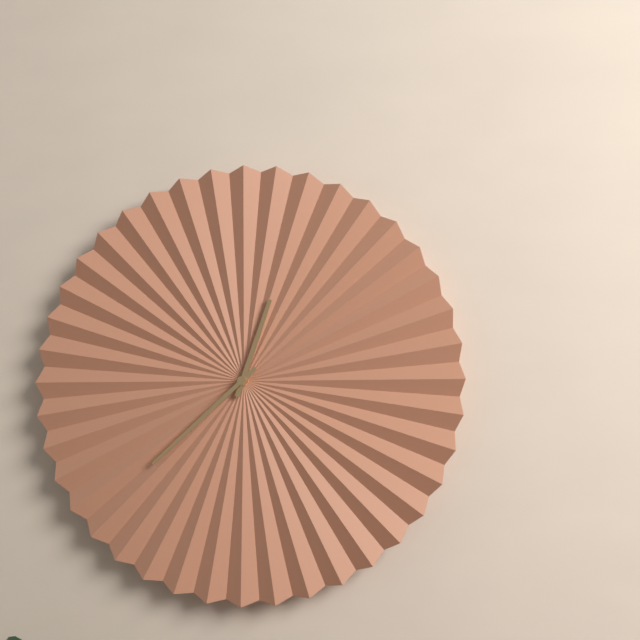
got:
**12:38**
